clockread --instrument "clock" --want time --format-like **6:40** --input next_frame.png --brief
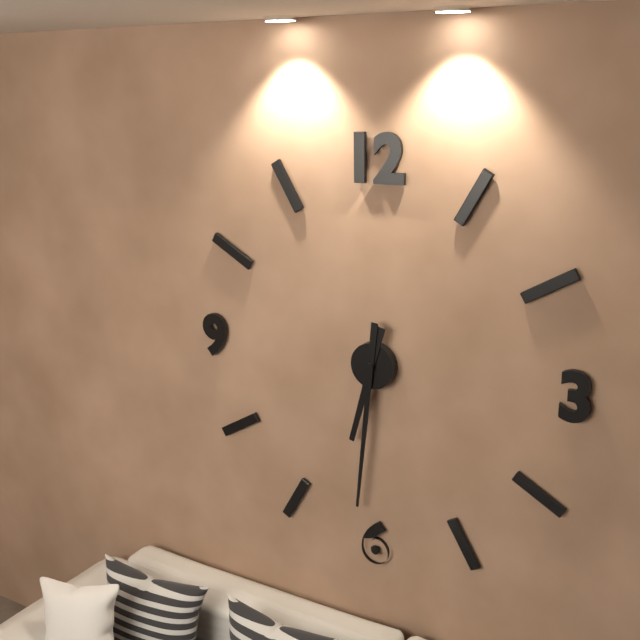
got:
**6:31**
